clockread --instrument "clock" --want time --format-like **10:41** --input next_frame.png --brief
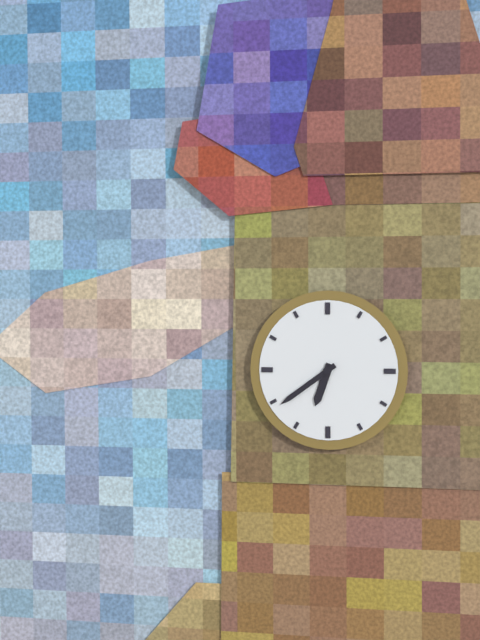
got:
**6:39**
